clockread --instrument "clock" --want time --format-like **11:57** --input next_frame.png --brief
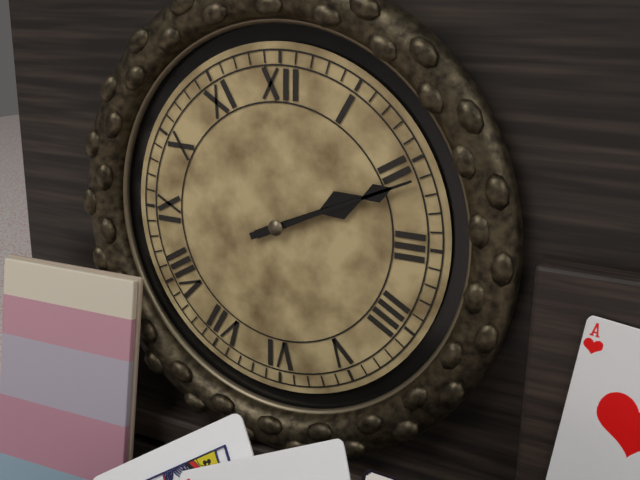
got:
**2:11**
